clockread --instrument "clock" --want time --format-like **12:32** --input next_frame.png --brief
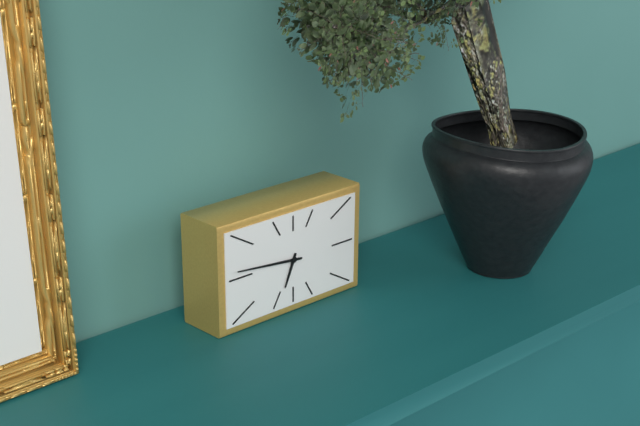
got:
**6:46**
